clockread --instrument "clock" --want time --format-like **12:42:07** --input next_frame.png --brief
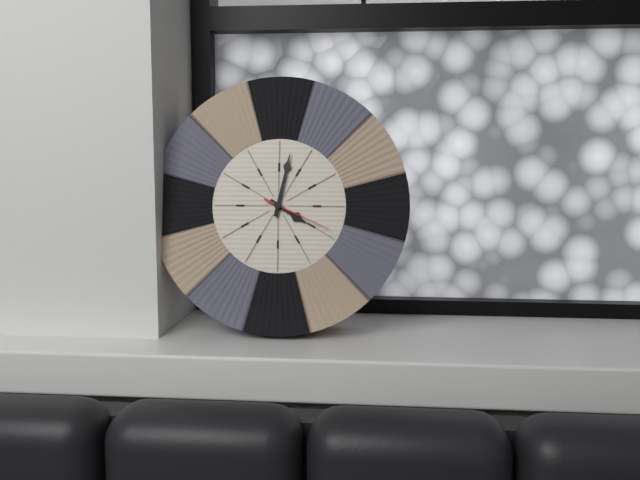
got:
**4:02:19**
